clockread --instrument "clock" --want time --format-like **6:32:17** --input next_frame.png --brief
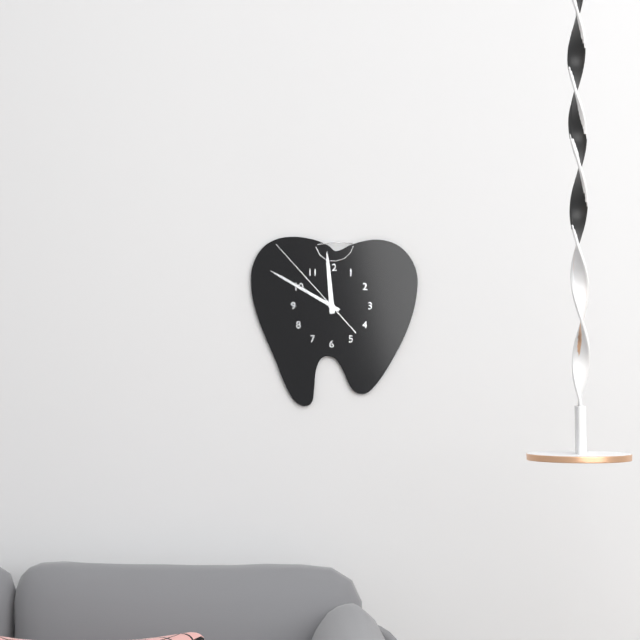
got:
**11:50:53**
